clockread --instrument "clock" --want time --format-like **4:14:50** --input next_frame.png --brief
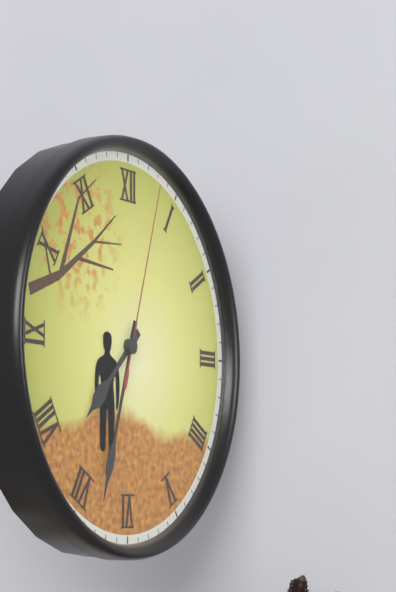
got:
**7:33:03**
